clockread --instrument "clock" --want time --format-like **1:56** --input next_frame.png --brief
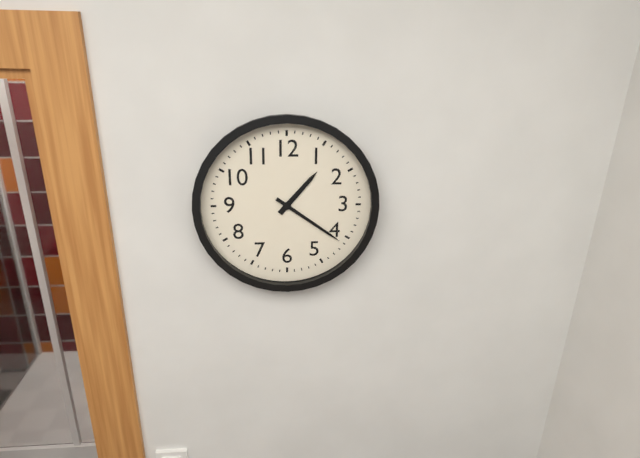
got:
**1:21**
